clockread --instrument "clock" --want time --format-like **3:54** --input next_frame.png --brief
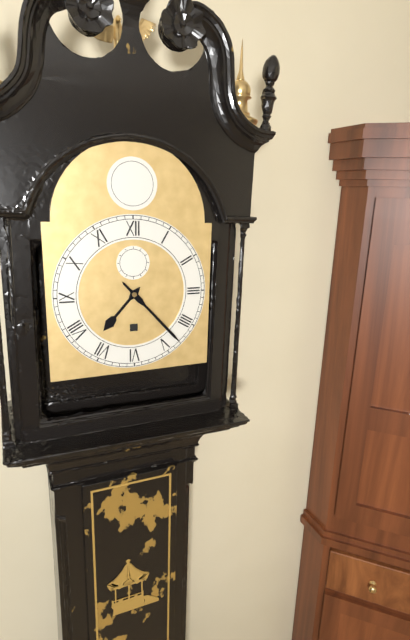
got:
**7:23**
